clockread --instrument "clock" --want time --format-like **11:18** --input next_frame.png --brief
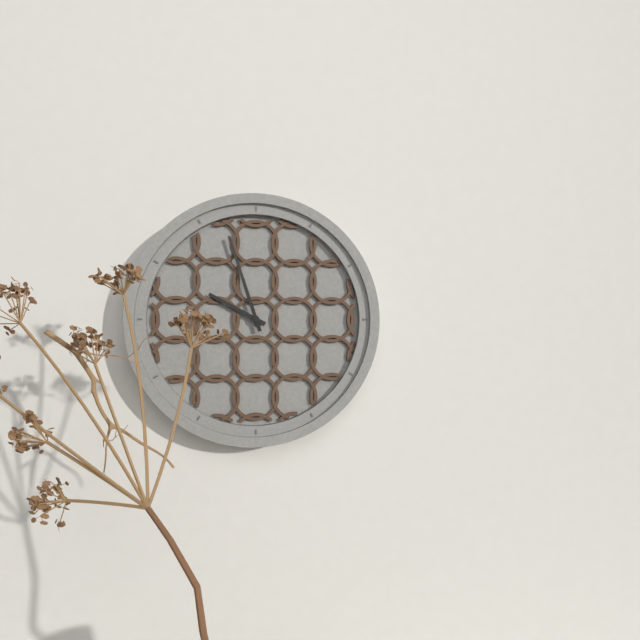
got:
**9:57**
